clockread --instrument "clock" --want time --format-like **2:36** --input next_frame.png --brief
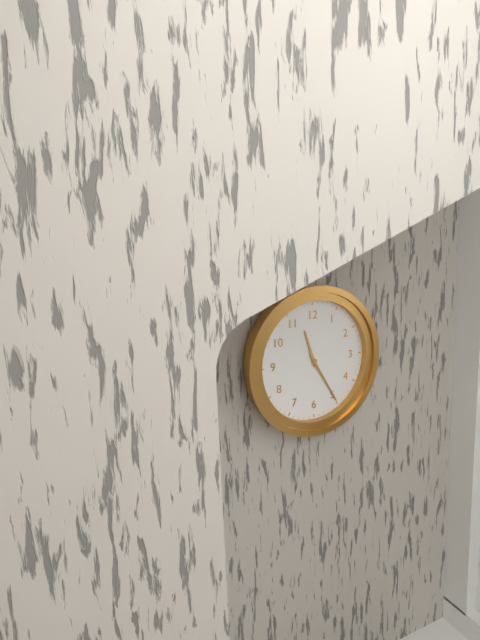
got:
**11:25**
